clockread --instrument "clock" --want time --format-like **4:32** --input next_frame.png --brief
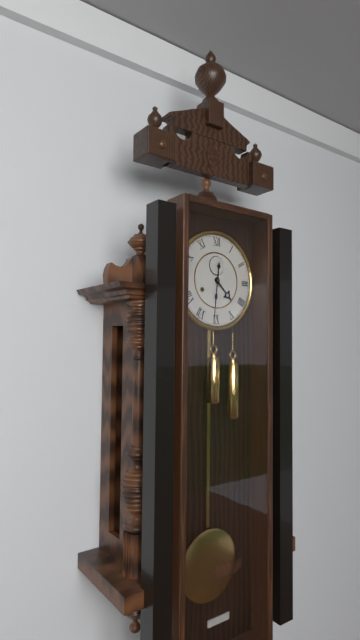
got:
**4:31**
